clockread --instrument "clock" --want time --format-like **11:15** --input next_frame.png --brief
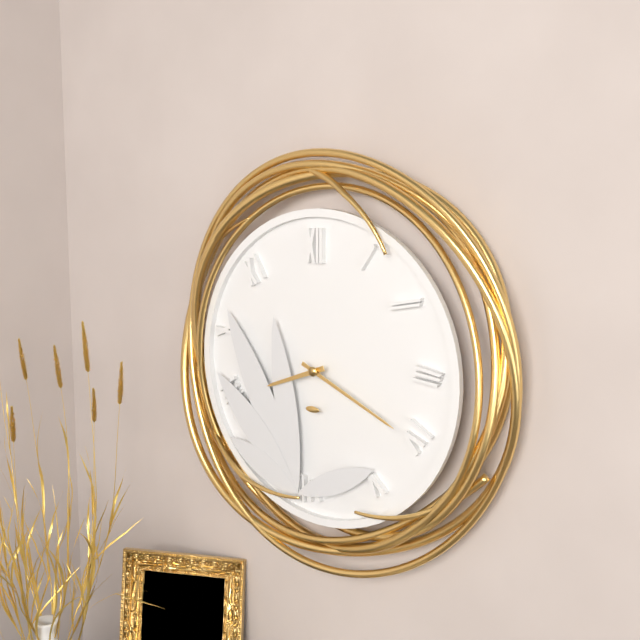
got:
**8:19**
